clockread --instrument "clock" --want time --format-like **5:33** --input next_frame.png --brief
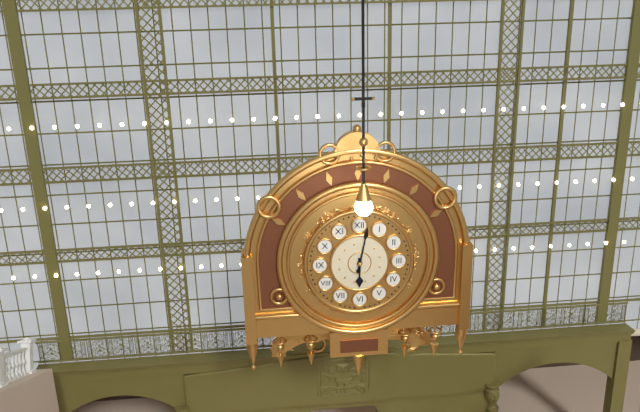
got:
**6:02**
